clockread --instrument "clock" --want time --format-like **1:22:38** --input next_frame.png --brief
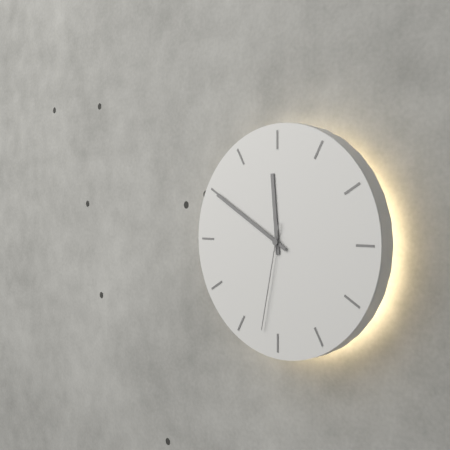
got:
**11:50:32**
